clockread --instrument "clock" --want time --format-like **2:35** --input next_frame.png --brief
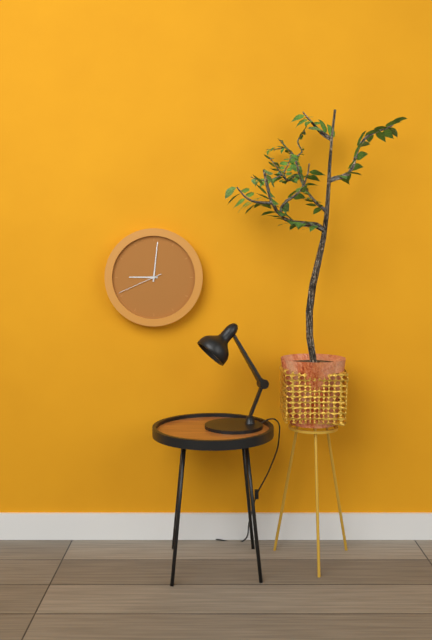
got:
**9:01**
